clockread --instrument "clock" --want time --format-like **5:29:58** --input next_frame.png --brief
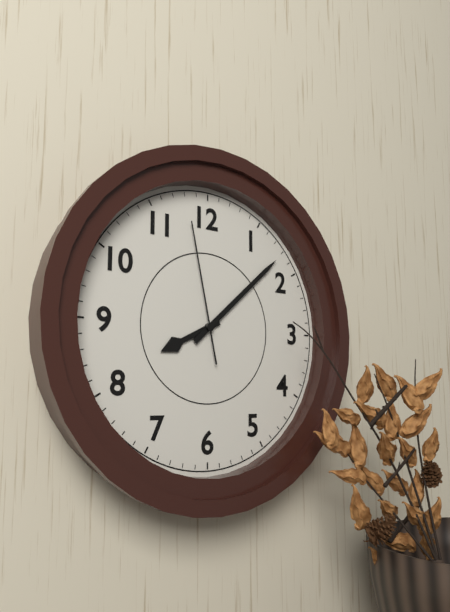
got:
**8:08:58**
